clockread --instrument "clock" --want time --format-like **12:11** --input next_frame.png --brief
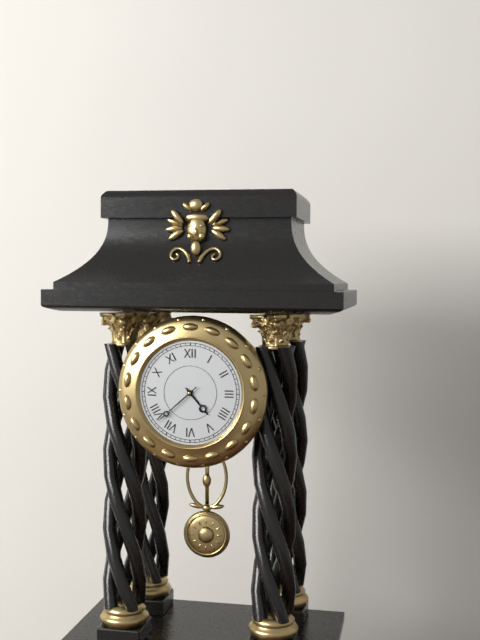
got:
**4:38**
